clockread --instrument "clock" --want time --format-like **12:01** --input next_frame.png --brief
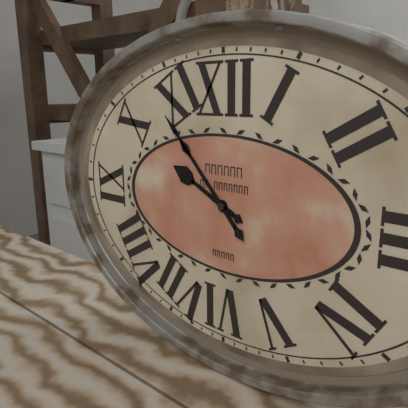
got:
**9:53**
